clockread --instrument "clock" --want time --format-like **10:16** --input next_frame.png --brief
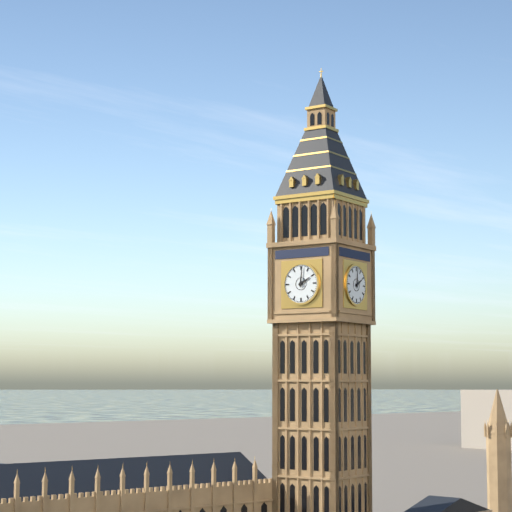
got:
**2:01**
